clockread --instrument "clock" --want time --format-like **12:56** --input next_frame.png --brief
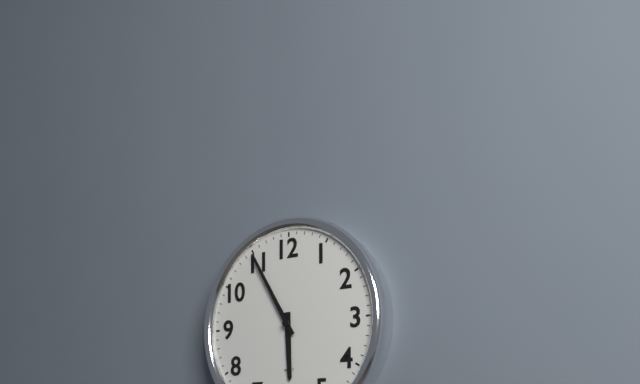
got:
**5:55**
